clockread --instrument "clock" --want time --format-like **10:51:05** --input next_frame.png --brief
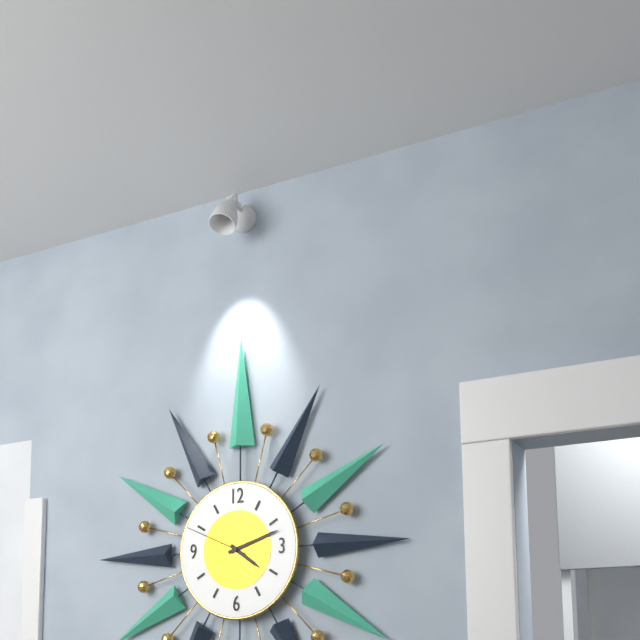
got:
**4:12:49**
